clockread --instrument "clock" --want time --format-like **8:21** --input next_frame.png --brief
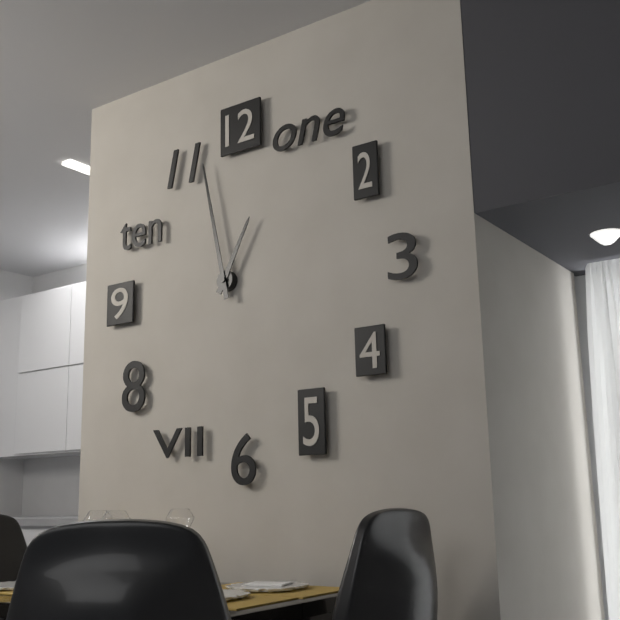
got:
**12:58**
